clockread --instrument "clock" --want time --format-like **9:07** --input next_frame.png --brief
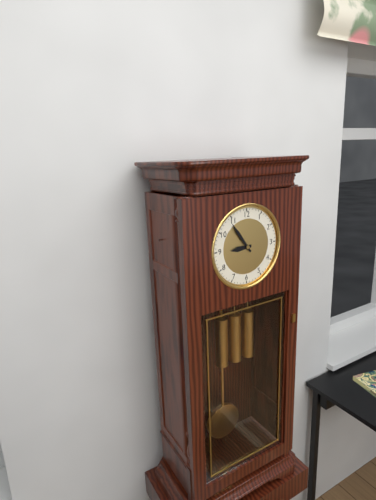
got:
**8:54**
